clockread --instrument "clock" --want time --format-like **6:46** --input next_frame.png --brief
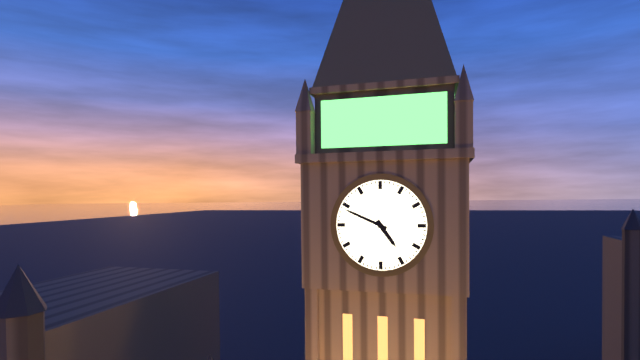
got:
**4:49**
